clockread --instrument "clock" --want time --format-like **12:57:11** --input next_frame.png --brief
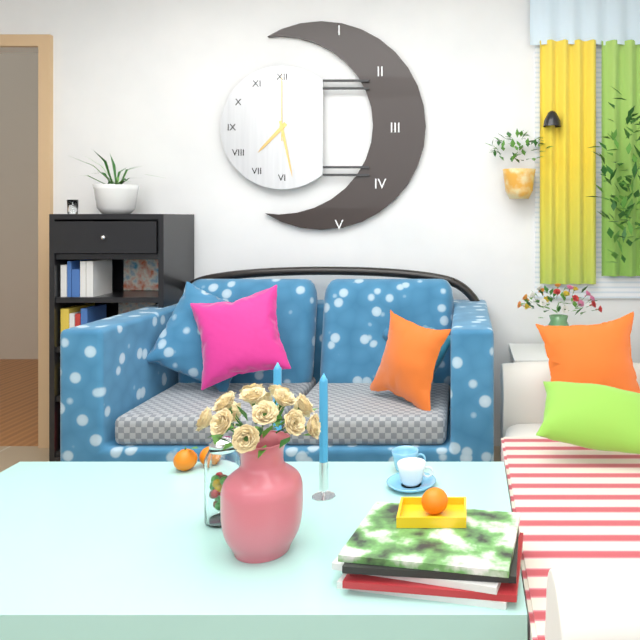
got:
**7:28:00**
